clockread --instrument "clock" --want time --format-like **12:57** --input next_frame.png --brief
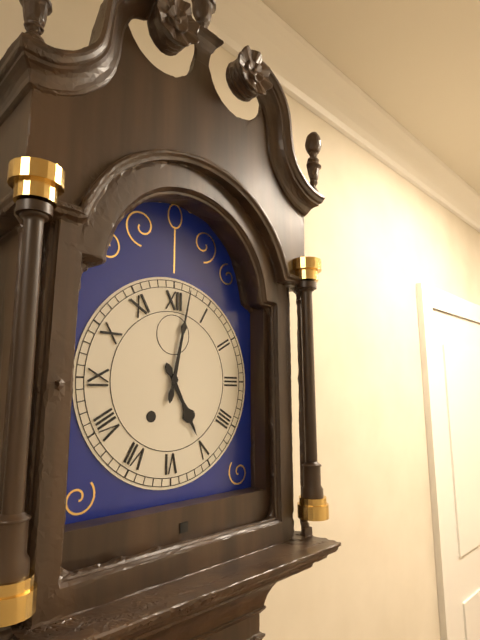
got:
**5:02**
